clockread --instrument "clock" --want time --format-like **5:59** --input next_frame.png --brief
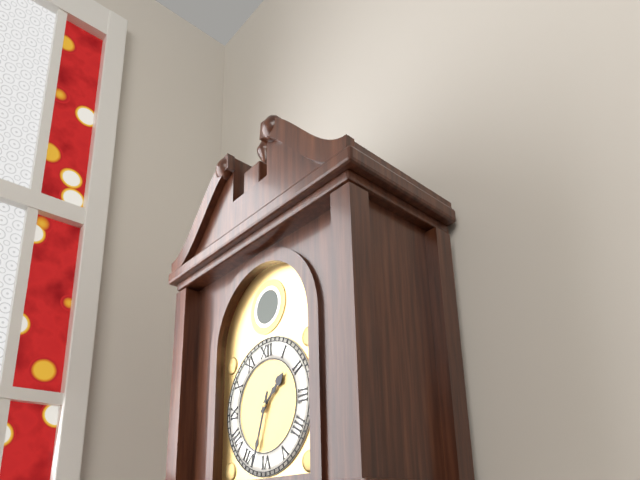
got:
**1:33**
